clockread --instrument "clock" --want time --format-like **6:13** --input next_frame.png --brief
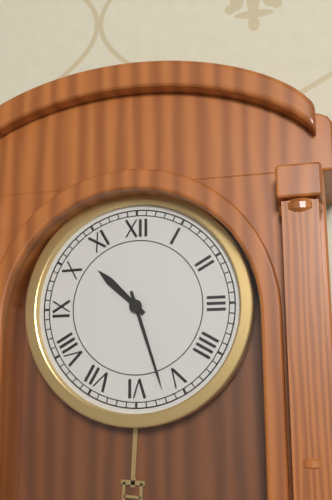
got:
**10:27**
